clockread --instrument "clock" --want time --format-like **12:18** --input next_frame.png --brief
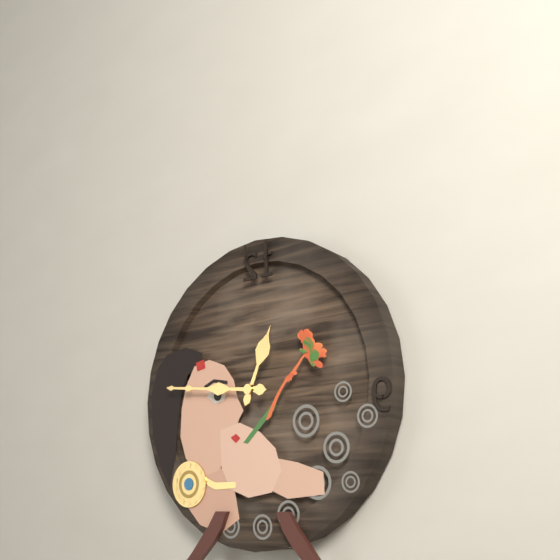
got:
**12:46**
